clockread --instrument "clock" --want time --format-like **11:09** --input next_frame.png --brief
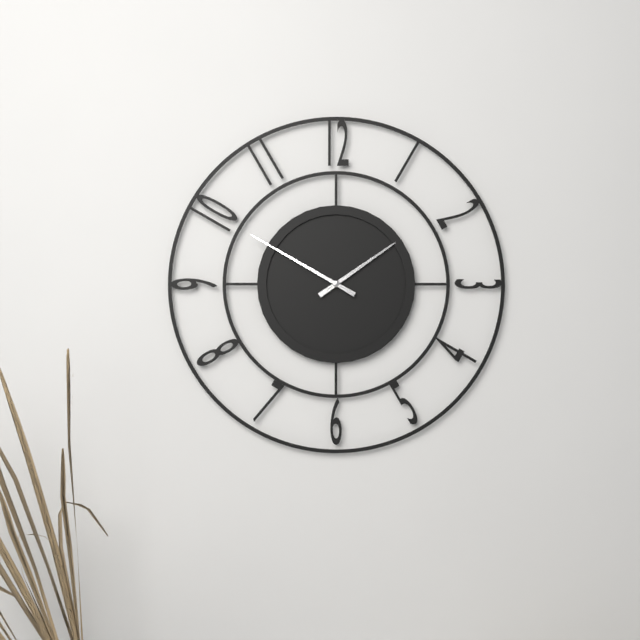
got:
**1:50**
